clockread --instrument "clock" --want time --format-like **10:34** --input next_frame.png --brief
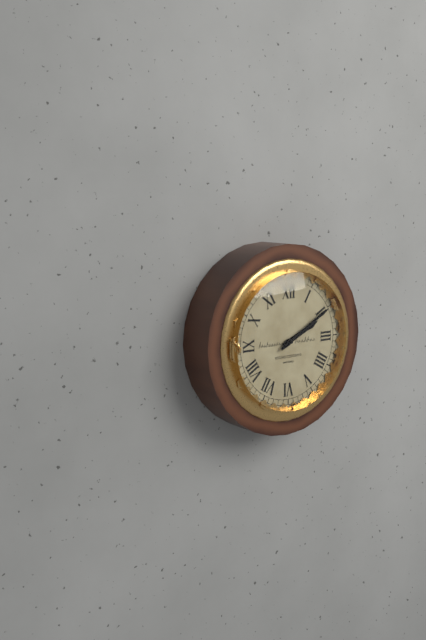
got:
**2:10**
